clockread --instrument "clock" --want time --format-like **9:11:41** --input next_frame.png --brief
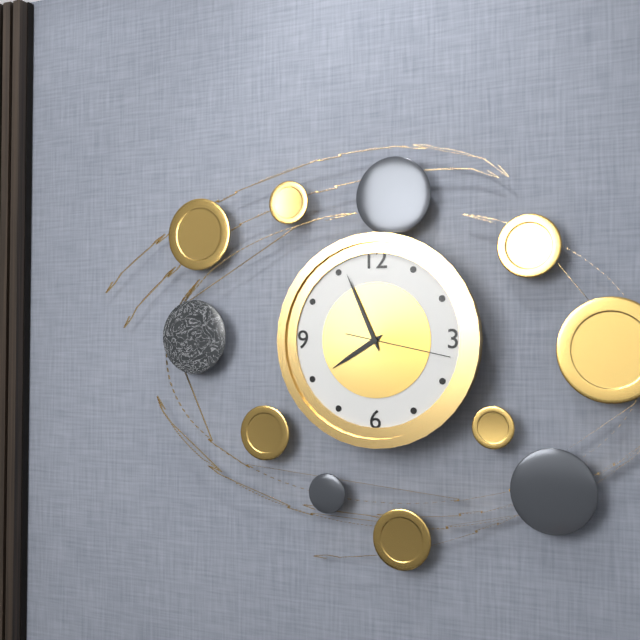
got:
**7:56:17**
